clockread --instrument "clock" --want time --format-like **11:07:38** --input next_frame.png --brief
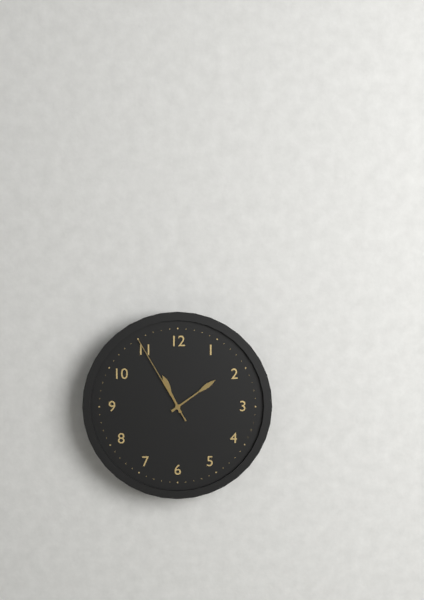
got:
**11:09:55**
